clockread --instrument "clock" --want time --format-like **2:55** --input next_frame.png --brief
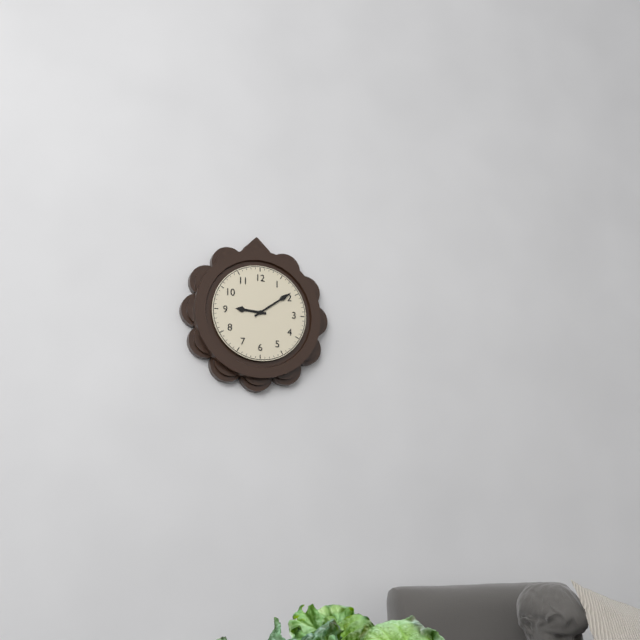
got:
**9:09**
